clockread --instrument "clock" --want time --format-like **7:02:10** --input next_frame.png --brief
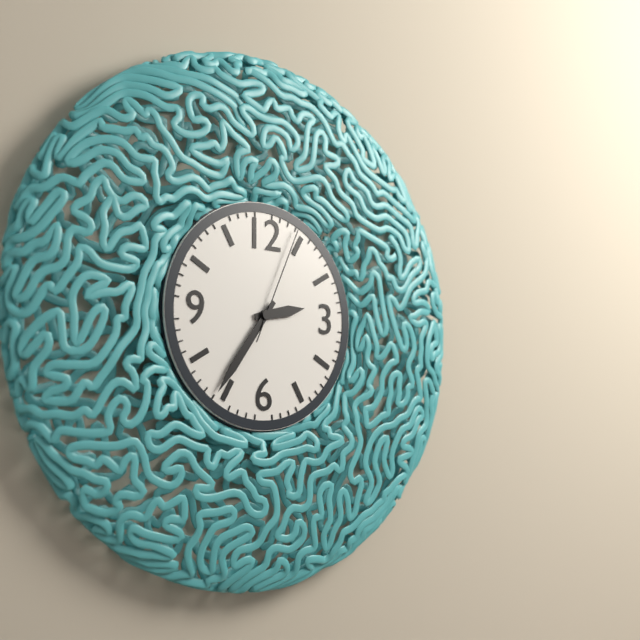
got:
**2:36:04**
